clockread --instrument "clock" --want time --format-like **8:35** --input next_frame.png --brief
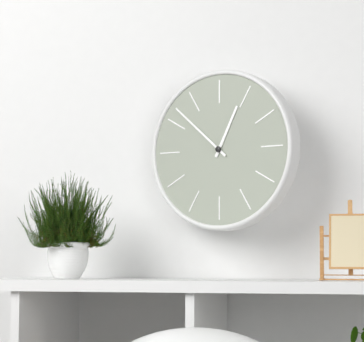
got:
**12:52**
